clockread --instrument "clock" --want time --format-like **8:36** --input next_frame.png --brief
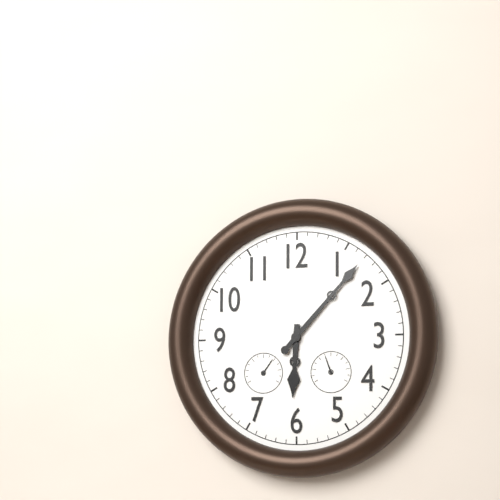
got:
**6:07**
